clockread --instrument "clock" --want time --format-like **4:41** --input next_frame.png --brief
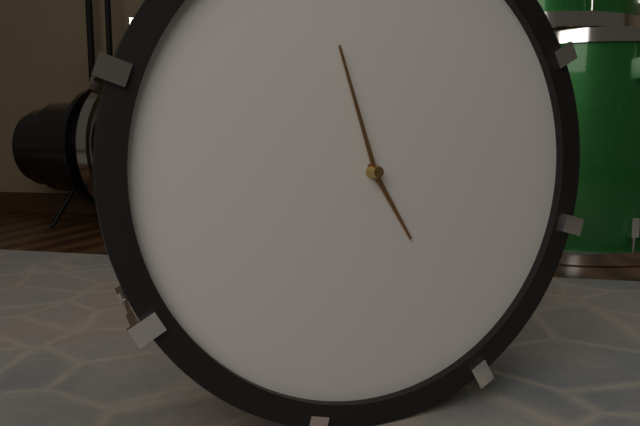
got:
**4:57**
